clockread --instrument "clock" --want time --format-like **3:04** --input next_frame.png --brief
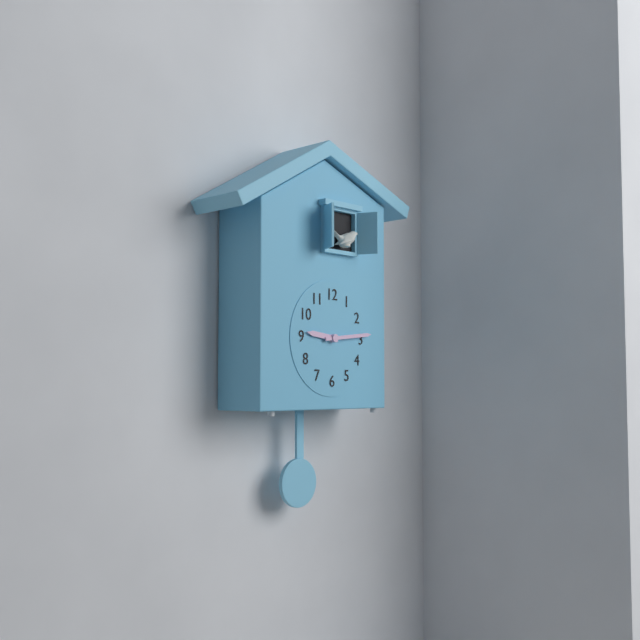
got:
**9:14**
